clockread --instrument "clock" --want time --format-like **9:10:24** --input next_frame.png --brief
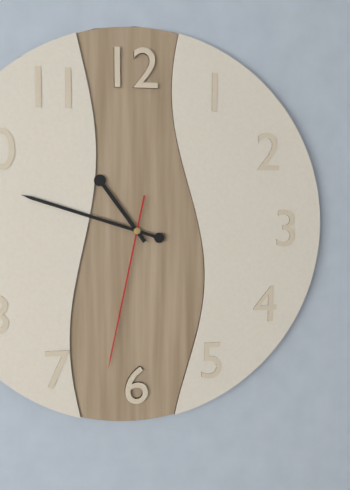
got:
**10:48:32**
